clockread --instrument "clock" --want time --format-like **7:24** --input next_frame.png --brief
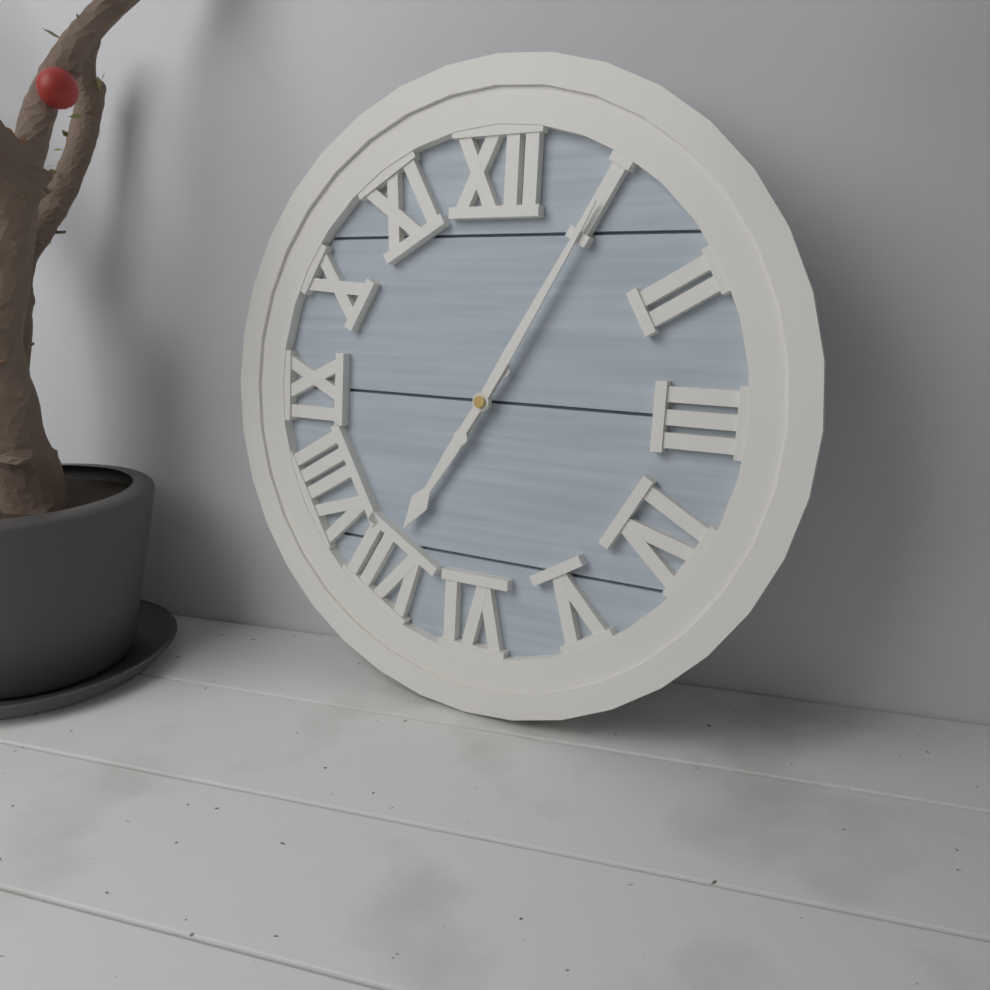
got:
**7:05**
